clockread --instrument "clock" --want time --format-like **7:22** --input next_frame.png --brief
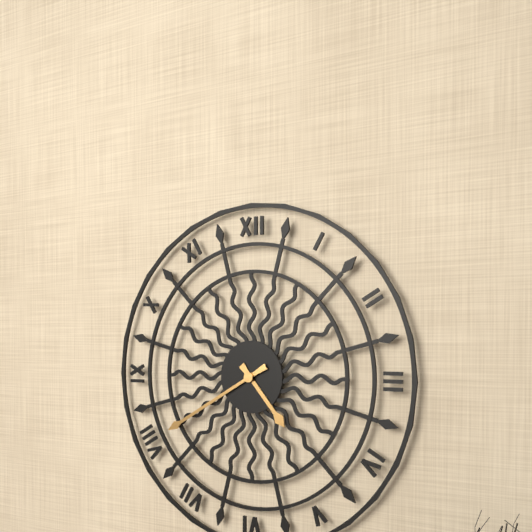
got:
**4:40**
